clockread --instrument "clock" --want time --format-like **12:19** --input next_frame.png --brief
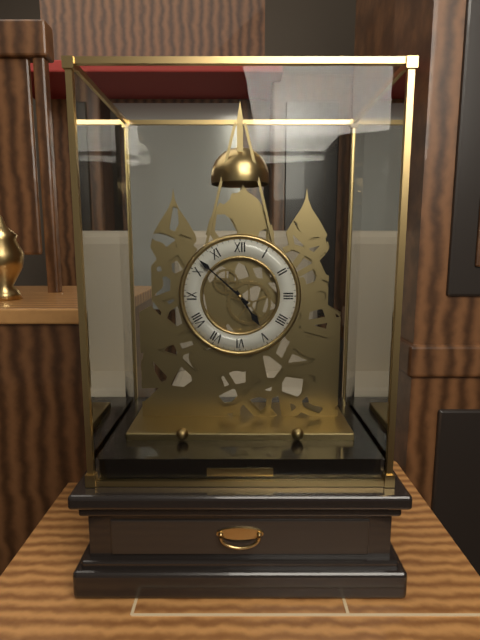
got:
**4:52**
